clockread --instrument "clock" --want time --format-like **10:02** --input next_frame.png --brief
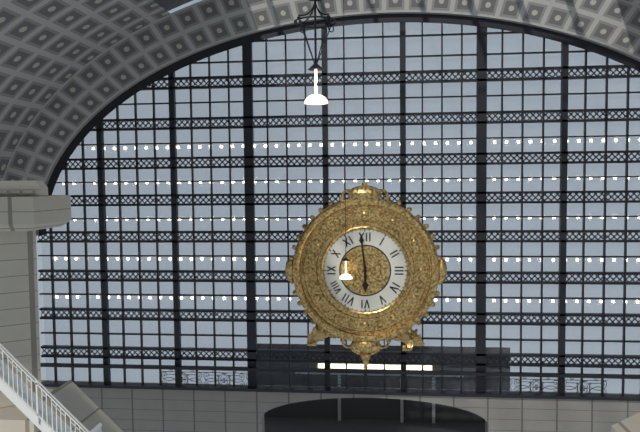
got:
**5:59**
